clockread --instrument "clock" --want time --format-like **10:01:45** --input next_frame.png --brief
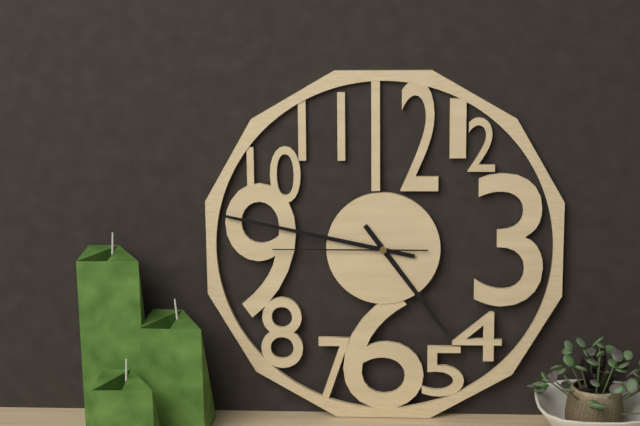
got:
**4:47:45**
